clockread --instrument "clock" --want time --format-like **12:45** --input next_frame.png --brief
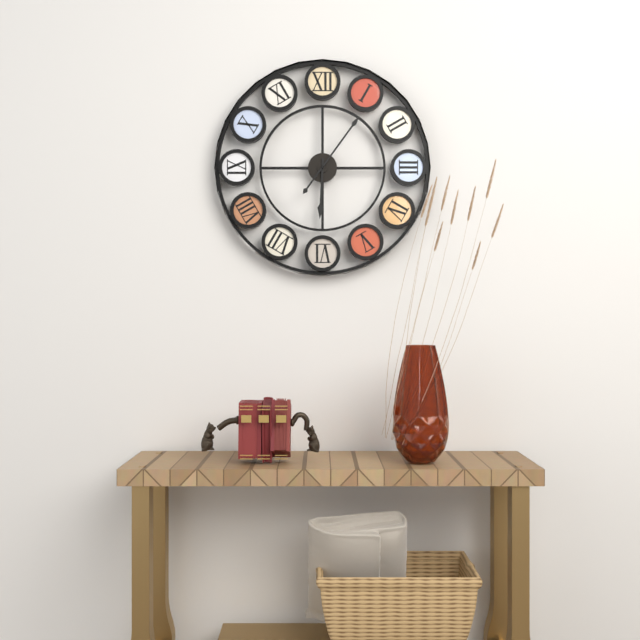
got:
**6:06**
